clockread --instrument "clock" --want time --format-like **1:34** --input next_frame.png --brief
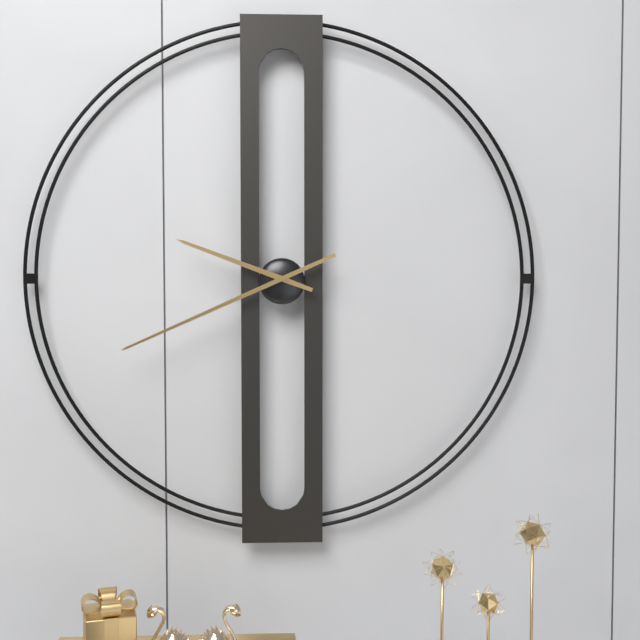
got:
**9:41**
